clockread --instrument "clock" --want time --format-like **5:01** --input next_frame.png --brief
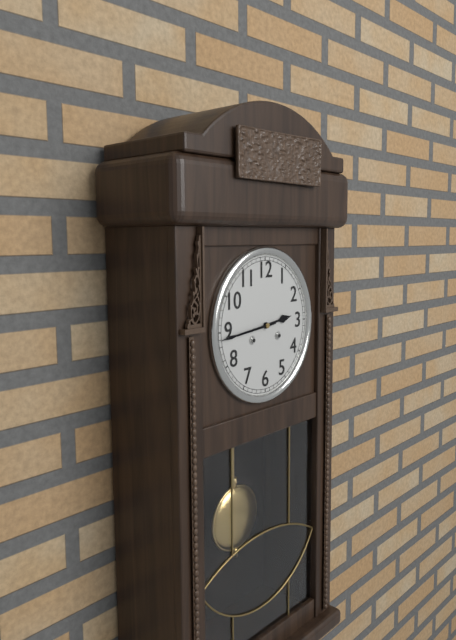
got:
**2:44**
